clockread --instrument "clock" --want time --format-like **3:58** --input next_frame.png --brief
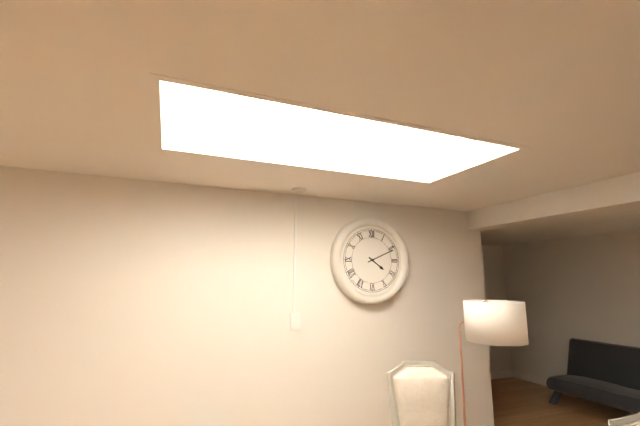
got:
**4:11**
